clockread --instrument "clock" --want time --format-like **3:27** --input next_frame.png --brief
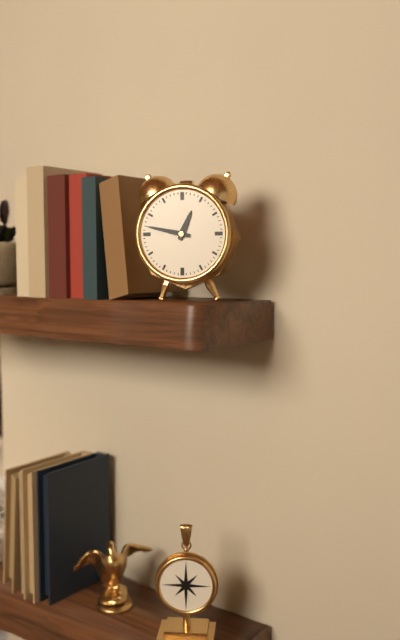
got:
**12:47**
